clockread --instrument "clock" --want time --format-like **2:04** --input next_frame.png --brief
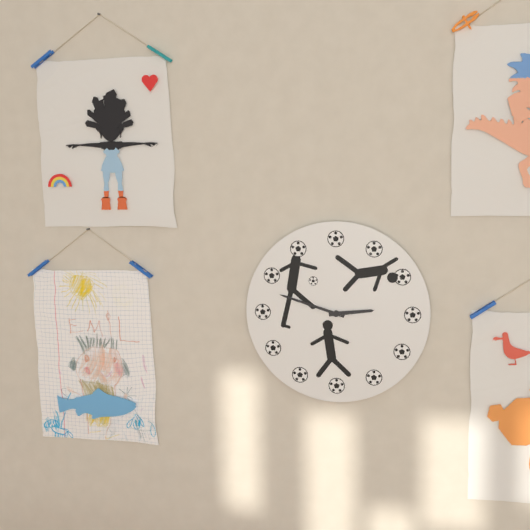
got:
**2:48**
